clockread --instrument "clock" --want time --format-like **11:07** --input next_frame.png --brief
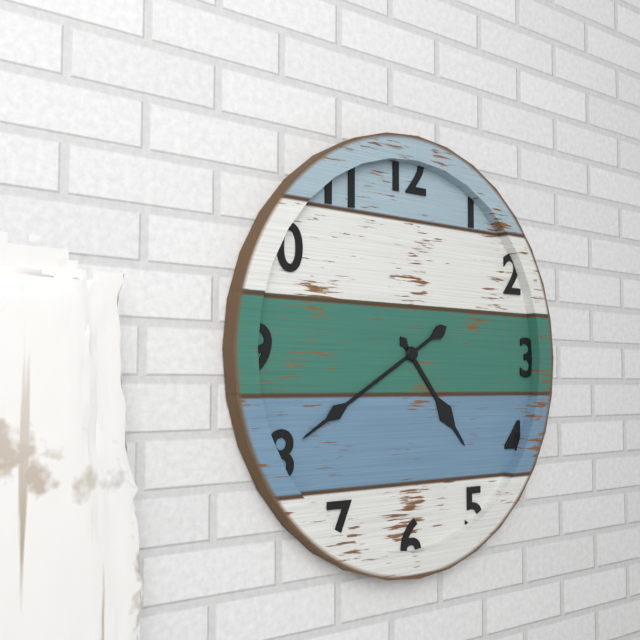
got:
**4:40**
